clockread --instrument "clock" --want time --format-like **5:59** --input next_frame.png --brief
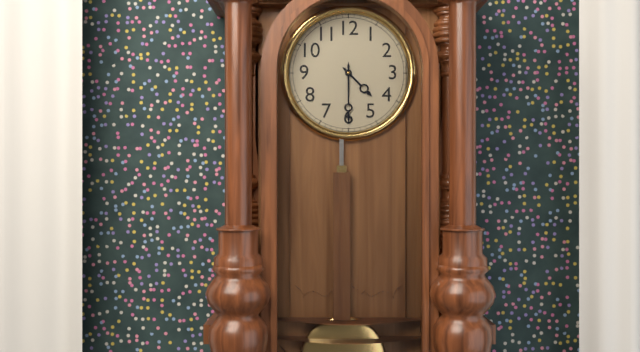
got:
**4:30**
